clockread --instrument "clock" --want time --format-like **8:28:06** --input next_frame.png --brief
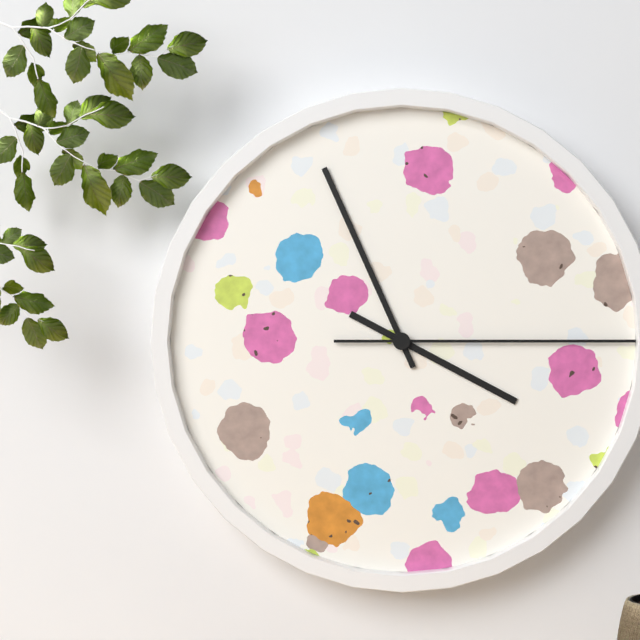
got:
**3:56:15**
